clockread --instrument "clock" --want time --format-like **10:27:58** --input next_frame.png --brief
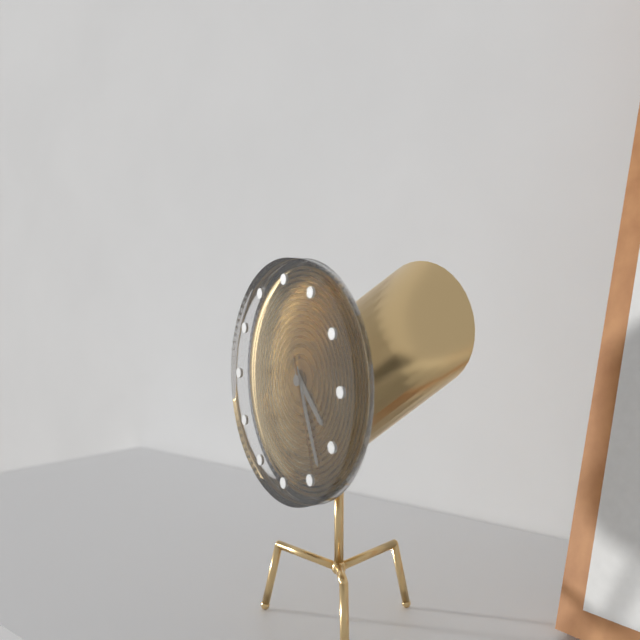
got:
**4:26:27**
